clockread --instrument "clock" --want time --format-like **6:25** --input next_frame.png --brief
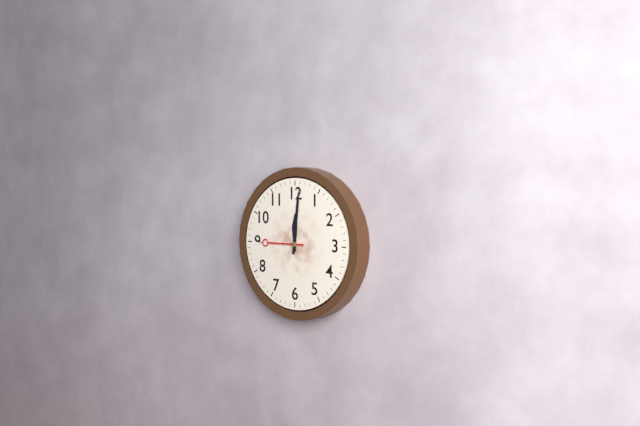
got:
**12:01**
